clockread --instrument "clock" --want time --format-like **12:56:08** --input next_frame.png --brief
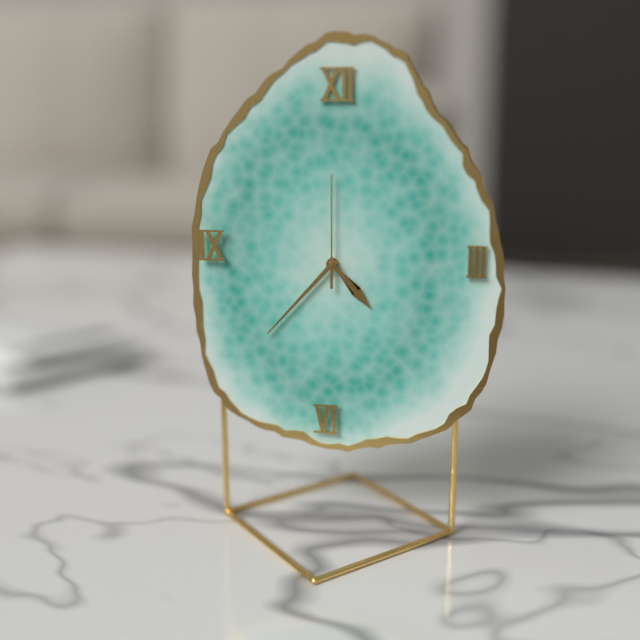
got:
**4:37:00**
